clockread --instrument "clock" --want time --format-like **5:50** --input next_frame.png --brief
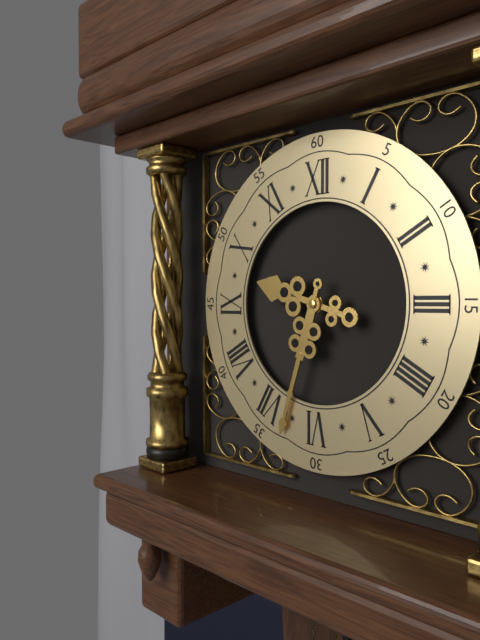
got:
**9:33**
